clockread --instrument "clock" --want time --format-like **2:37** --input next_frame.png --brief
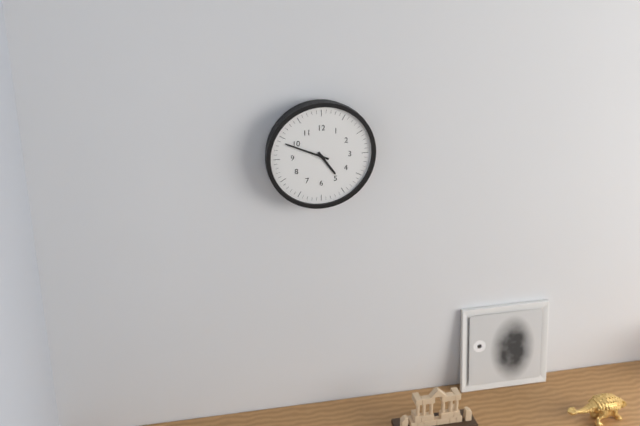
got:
**4:49**
